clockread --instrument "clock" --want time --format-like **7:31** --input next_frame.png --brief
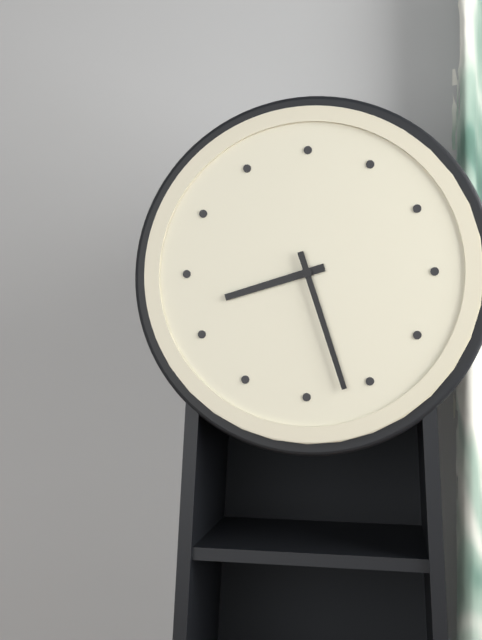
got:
**8:27**
